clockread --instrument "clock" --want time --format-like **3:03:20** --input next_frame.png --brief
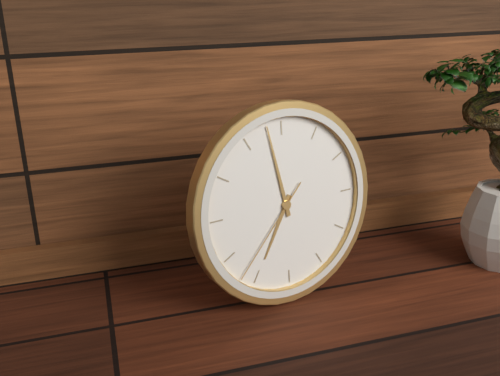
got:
**6:58:37**
